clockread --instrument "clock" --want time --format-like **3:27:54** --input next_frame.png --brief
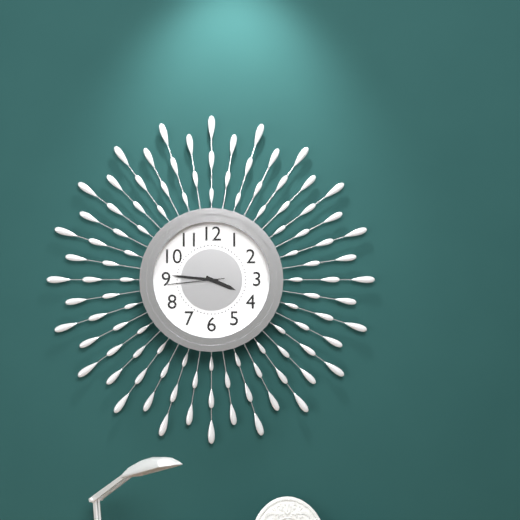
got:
**3:46:44**
